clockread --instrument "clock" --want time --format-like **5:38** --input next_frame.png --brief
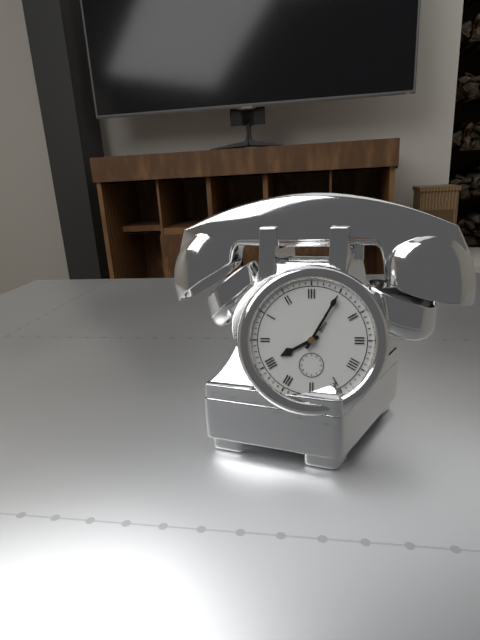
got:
**8:05**
